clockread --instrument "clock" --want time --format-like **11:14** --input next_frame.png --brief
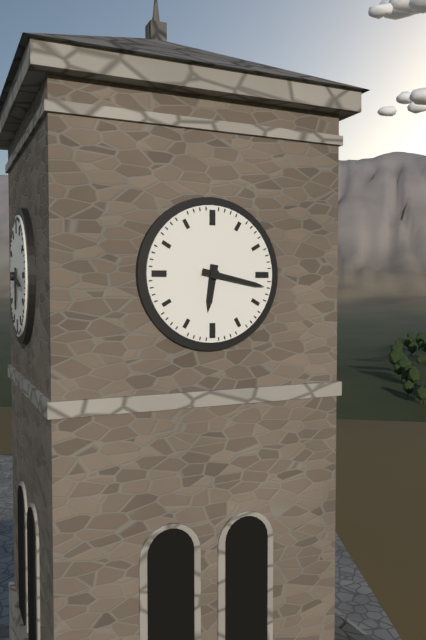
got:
**6:17**
